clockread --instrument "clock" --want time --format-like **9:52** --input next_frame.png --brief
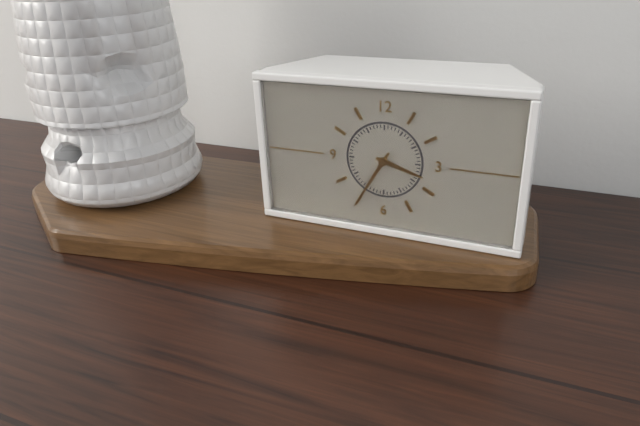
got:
**3:35**
